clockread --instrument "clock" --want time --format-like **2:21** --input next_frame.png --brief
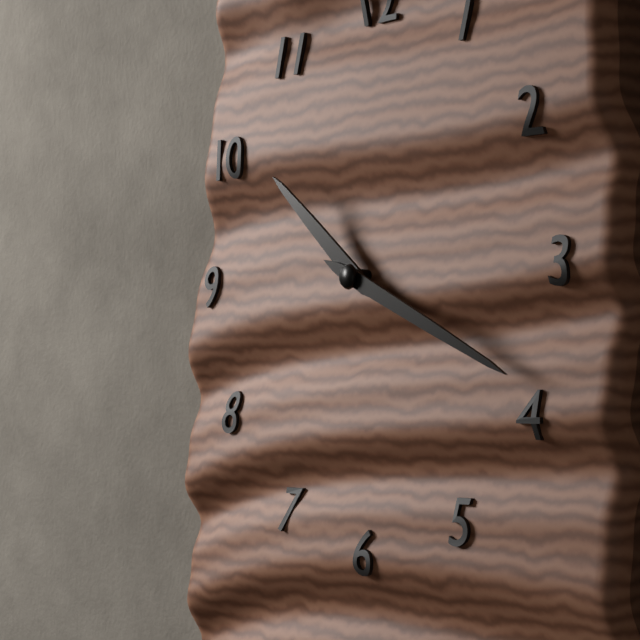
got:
**10:19**
